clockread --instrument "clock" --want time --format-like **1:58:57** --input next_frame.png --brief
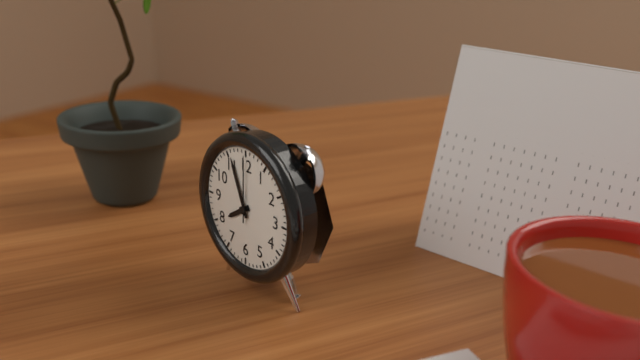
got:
**7:56:00**
